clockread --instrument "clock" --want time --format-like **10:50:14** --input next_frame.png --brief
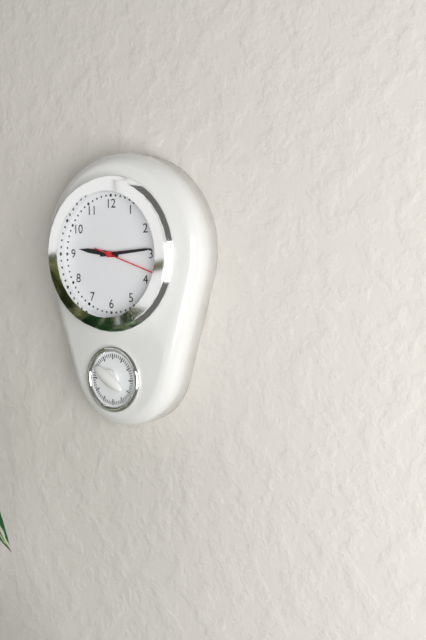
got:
**9:14:18**
